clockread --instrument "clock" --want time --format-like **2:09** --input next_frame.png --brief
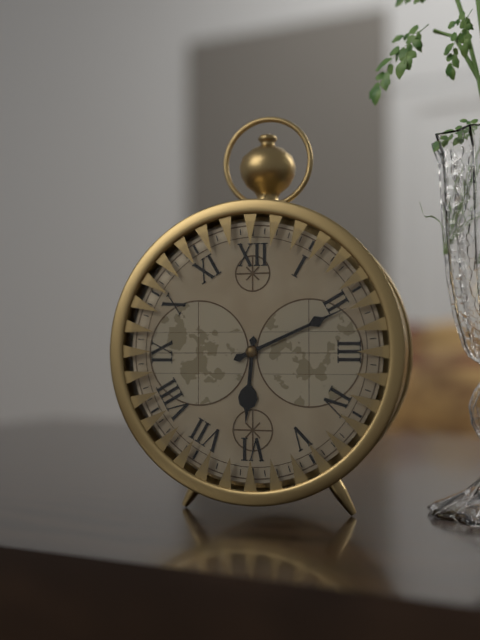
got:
**6:11**
